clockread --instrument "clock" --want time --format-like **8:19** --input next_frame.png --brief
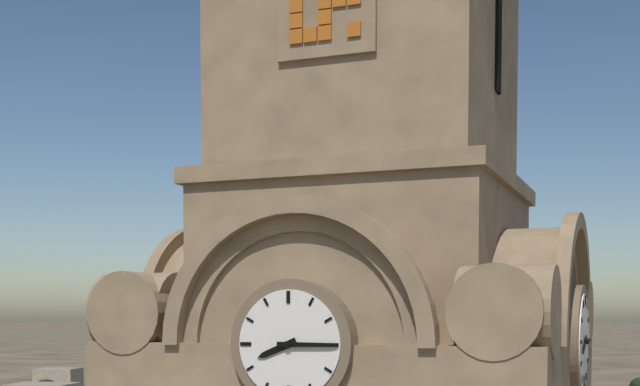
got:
**8:15**
